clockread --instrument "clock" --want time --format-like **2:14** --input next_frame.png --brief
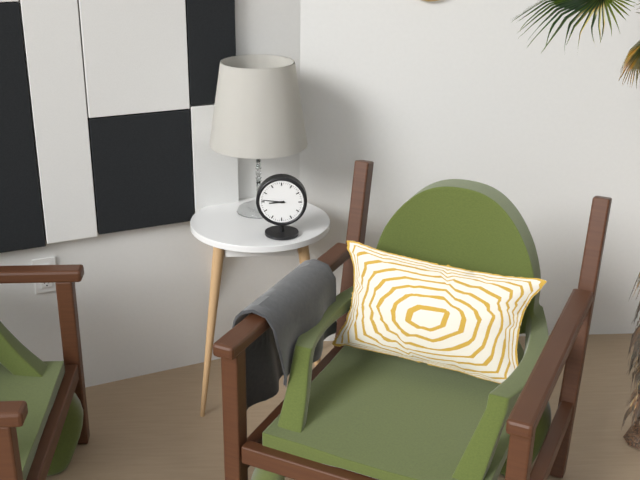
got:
**8:46**
